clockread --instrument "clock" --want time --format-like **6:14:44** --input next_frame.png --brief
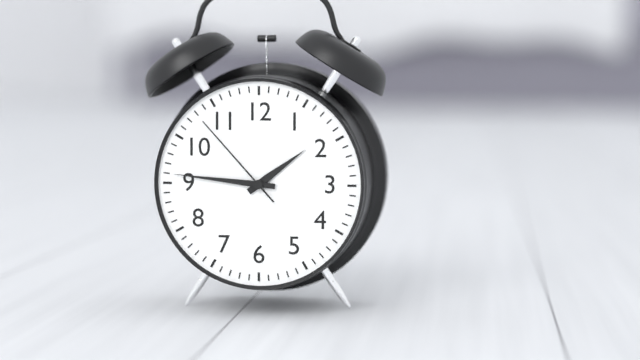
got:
**1:46:53**
